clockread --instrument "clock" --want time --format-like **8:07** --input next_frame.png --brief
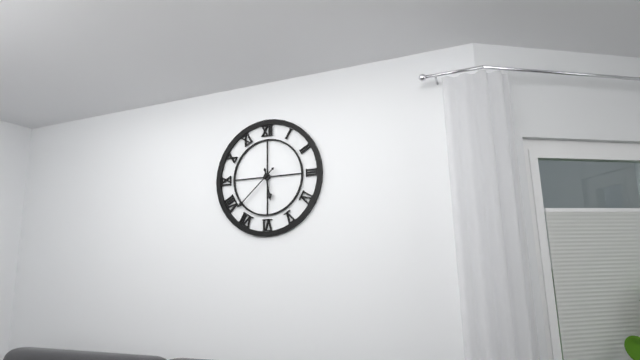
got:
**5:38**
